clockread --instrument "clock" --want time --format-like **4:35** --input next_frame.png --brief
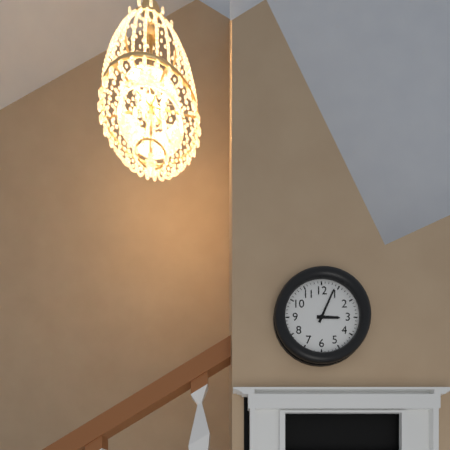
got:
**3:04**
